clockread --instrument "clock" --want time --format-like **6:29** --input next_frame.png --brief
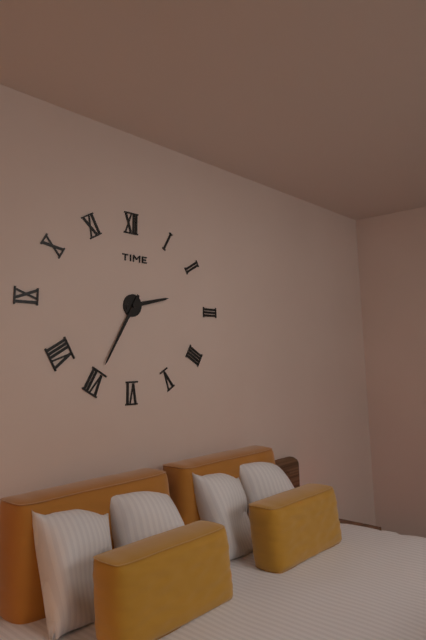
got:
**2:35**
